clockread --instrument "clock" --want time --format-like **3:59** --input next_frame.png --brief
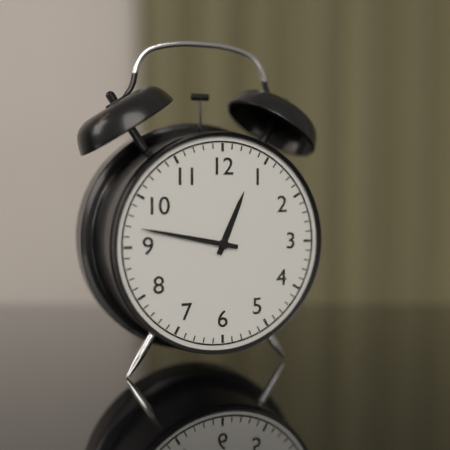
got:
**12:47**
